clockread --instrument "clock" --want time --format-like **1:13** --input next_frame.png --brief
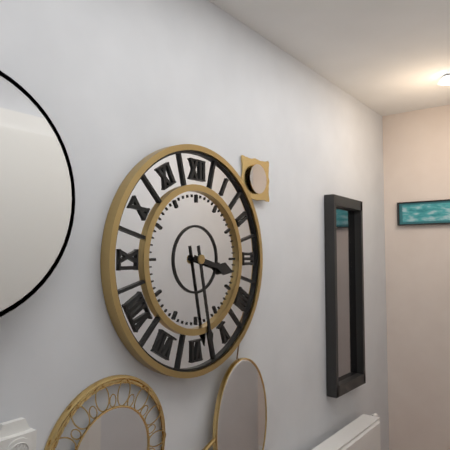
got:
**3:28**
